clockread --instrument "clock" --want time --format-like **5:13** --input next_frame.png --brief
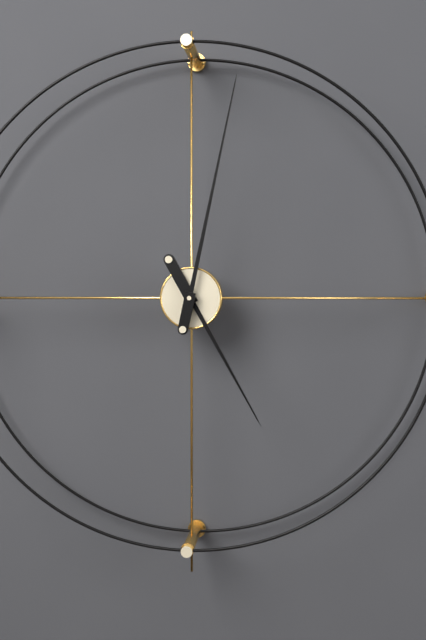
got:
**5:02**
